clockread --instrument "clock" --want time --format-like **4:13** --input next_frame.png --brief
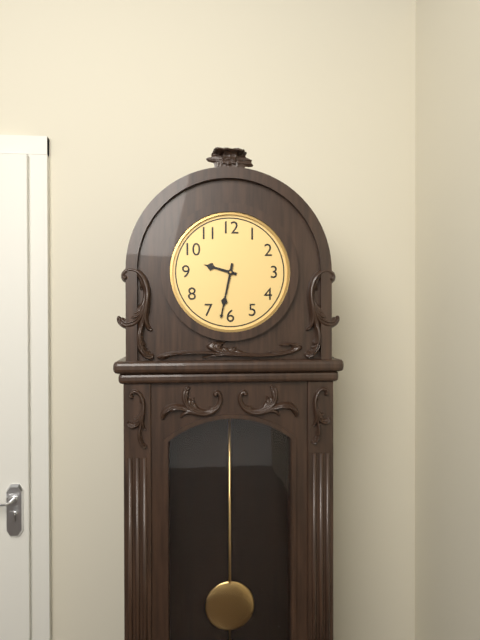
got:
**9:32**
